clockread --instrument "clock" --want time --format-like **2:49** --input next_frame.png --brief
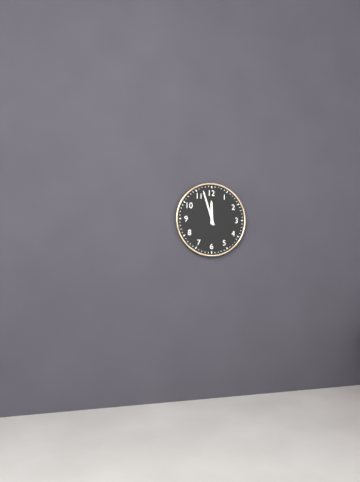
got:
**11:57**
